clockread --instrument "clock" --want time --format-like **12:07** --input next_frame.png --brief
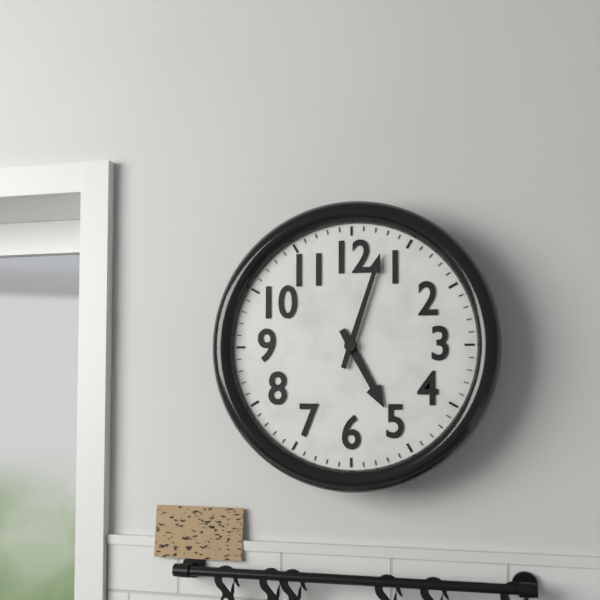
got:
**5:03**
